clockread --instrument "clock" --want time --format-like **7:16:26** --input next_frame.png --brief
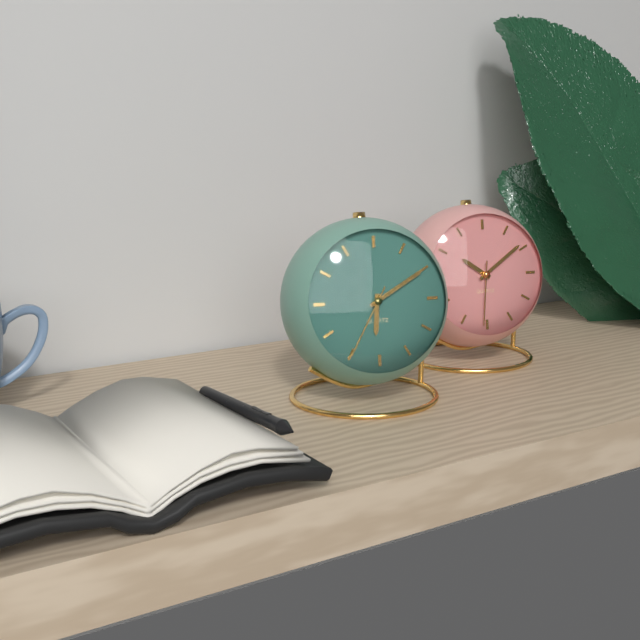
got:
**6:10:35**
